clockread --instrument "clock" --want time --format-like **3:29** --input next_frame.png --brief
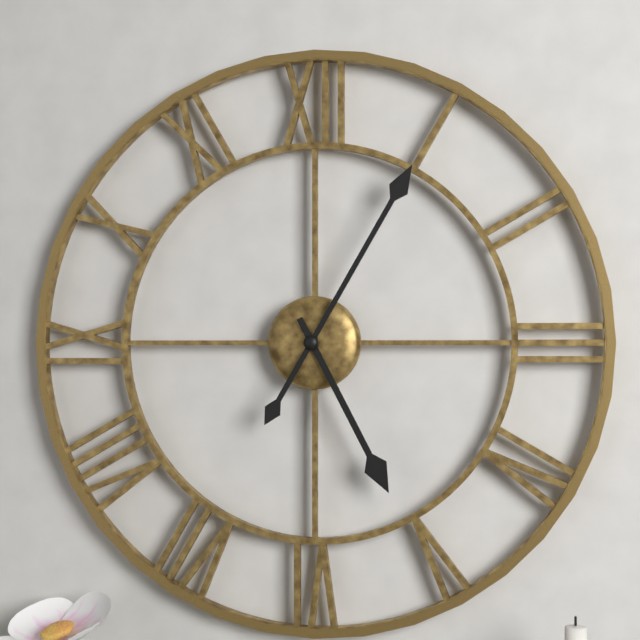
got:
**5:05**
